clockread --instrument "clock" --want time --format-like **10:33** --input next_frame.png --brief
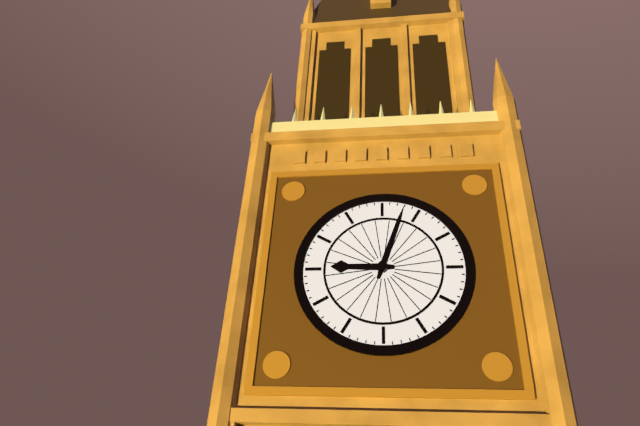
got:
**9:03**
